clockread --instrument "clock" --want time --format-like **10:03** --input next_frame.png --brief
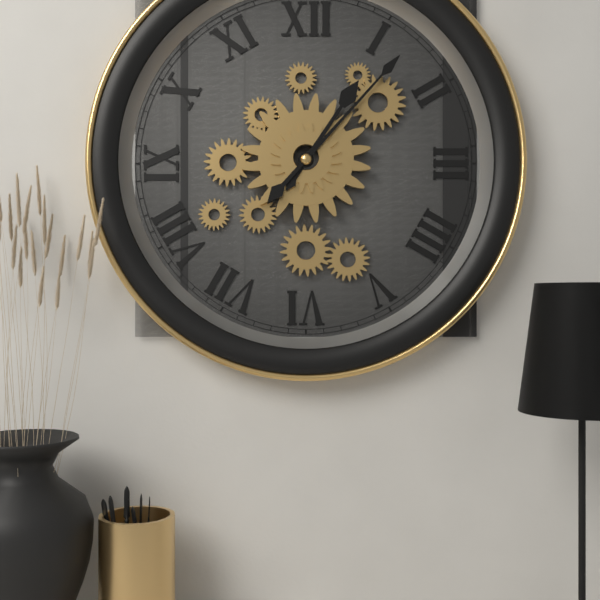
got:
**1:07**
